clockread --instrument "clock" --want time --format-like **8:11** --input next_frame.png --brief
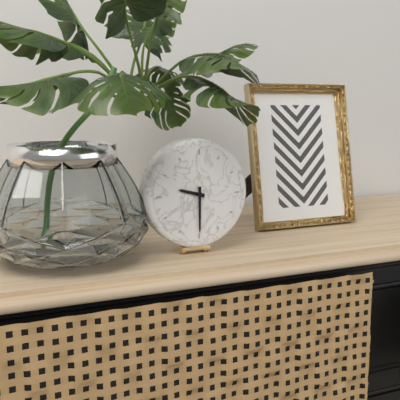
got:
**9:30**
